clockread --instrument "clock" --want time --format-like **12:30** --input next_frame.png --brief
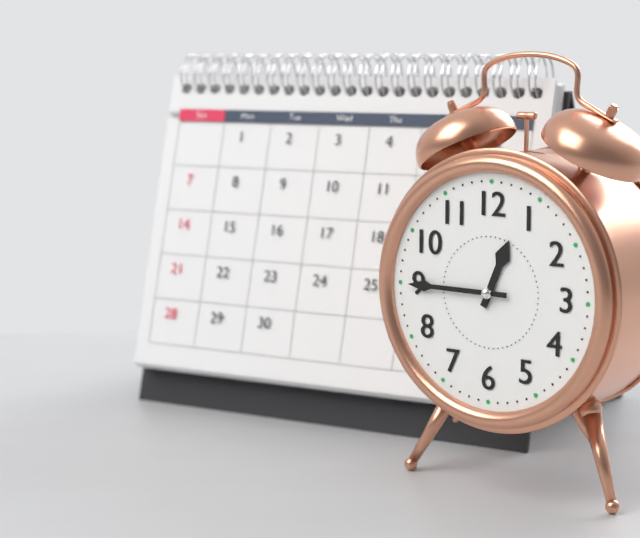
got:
**12:45**
